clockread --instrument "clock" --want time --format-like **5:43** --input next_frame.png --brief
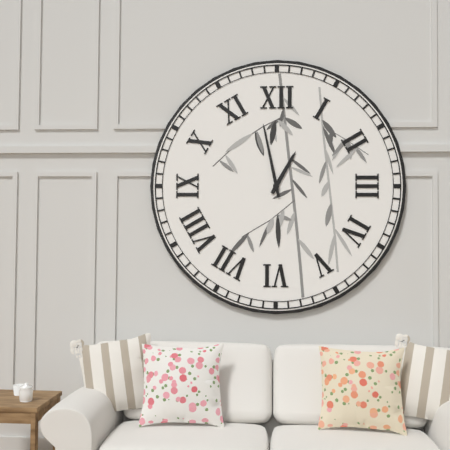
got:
**12:58**
